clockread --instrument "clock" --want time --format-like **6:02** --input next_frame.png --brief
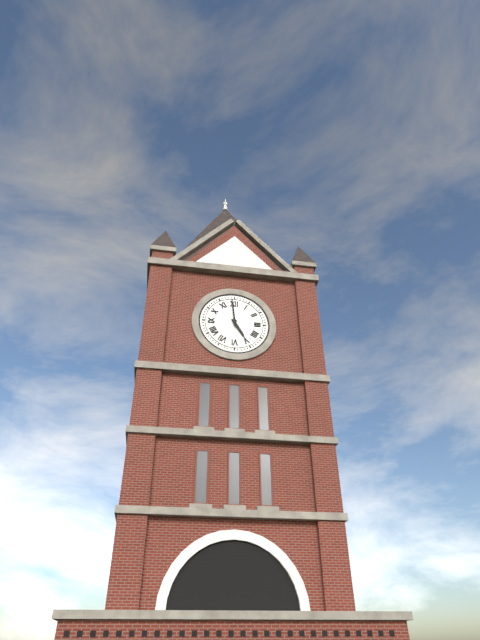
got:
**4:59**
